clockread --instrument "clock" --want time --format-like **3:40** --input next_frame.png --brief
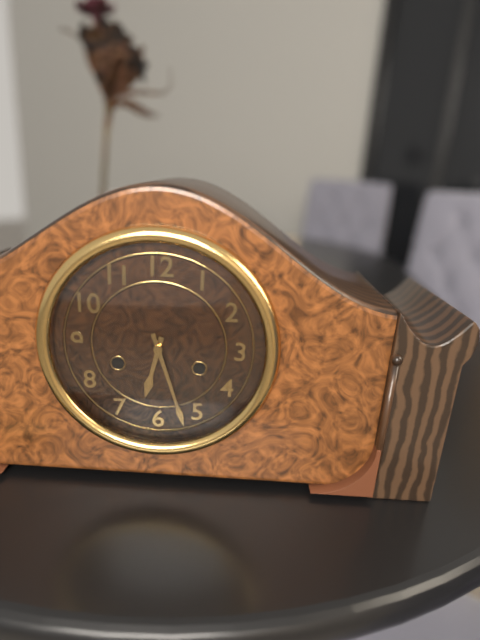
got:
**6:27**
